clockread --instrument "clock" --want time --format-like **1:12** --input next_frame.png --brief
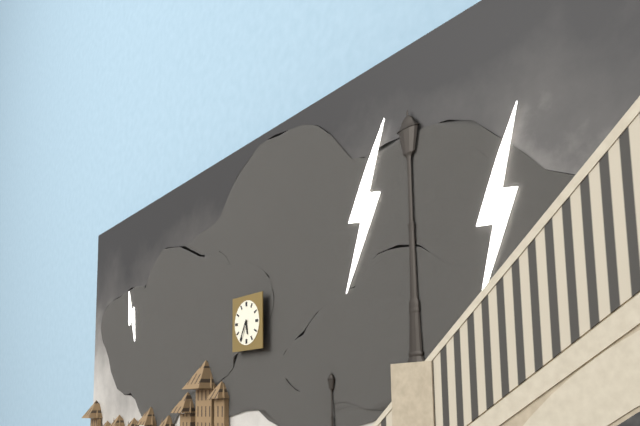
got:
**5:35**
